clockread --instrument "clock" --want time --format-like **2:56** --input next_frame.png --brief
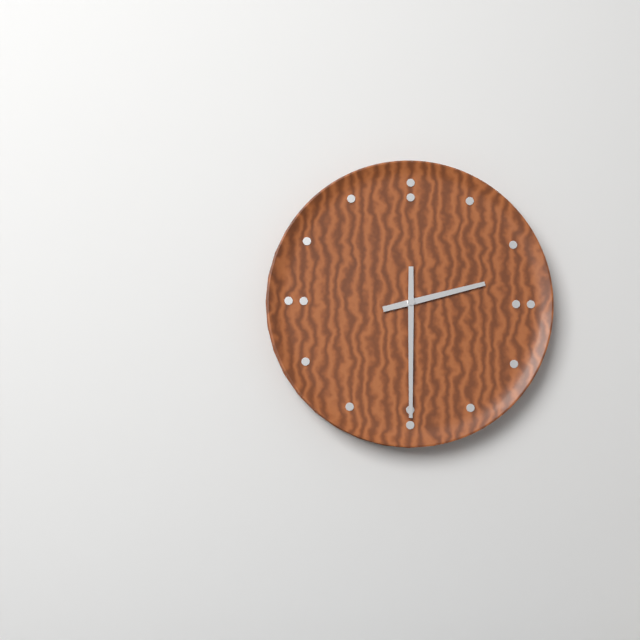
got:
**2:30**
